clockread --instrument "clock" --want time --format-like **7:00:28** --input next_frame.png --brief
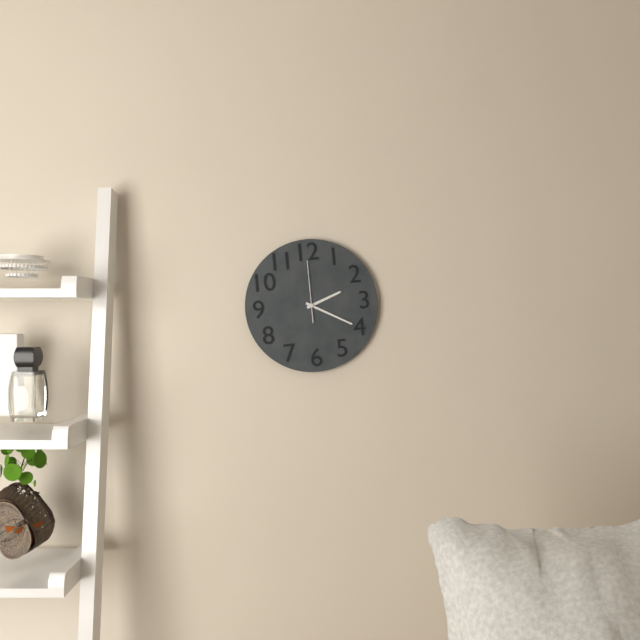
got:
**2:20:00**
